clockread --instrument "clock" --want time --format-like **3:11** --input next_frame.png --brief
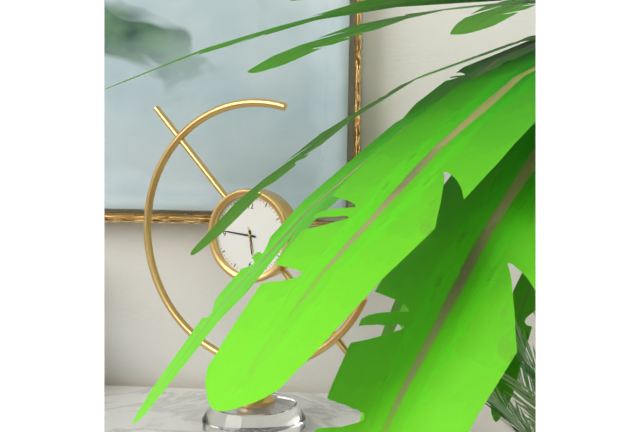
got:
**5:46**
